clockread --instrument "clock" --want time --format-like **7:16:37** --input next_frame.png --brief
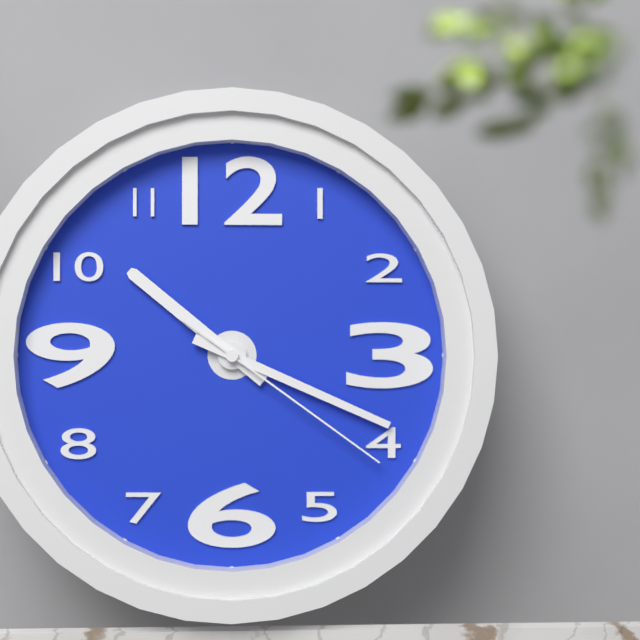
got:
**10:19:21**
